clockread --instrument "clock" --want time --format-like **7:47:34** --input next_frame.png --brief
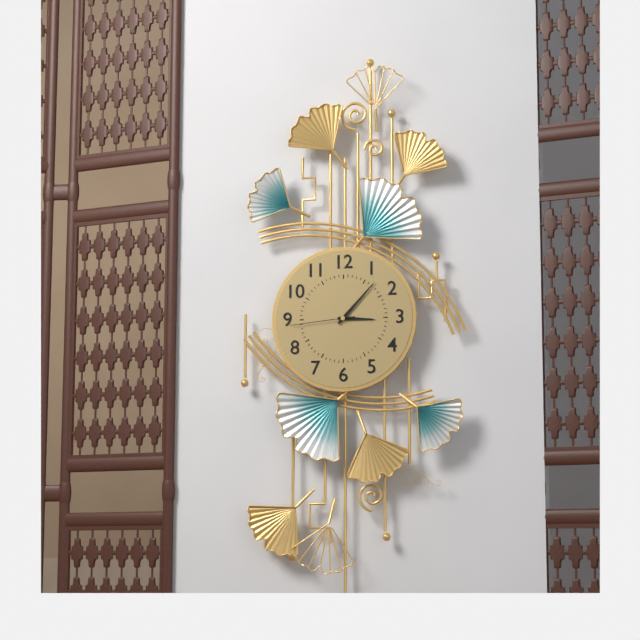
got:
**3:07:44**
